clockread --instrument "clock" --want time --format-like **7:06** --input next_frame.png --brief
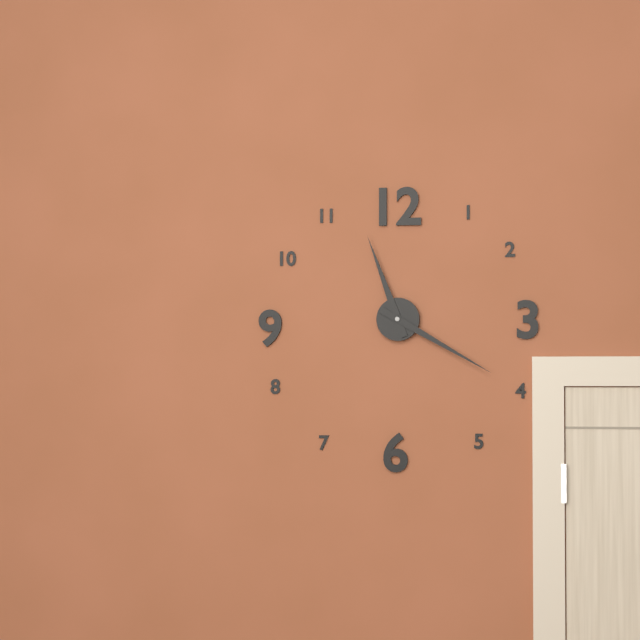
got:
**11:20**
